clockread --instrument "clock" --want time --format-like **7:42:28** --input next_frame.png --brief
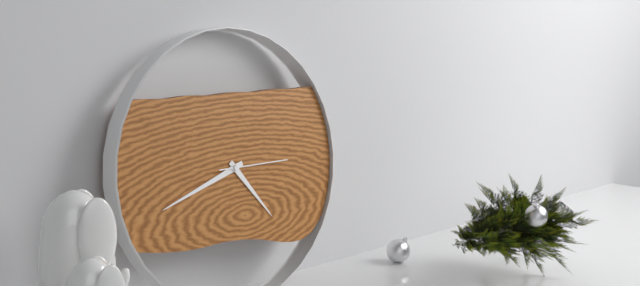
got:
**4:42:15**
